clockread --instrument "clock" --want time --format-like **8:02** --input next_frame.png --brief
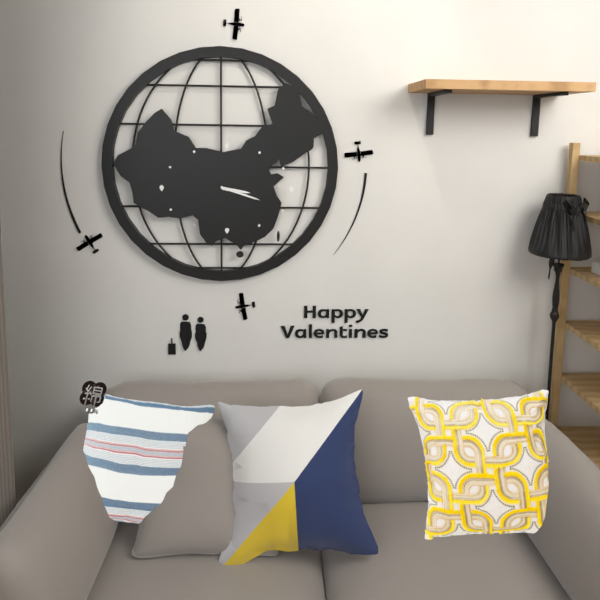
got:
**3:18**
